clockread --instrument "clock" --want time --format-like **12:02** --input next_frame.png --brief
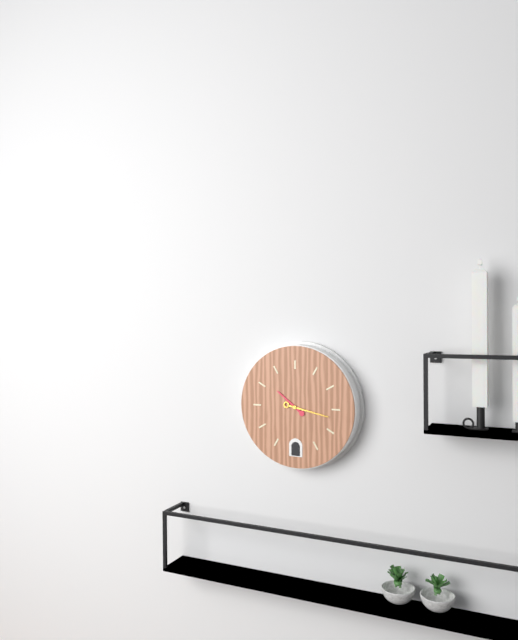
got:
**10:17**
